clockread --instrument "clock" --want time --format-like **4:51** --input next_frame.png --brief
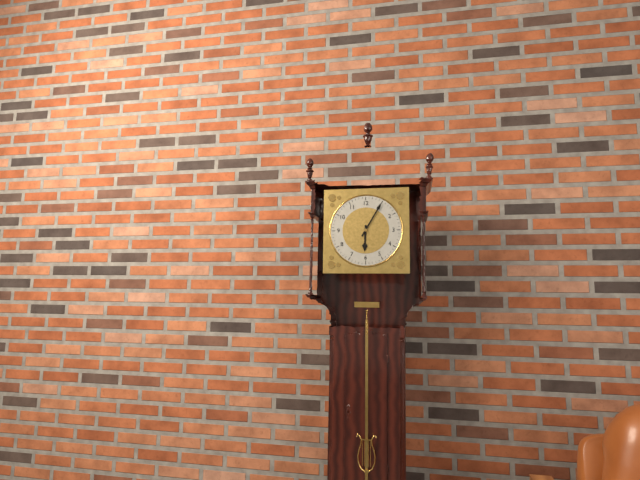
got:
**6:05**
